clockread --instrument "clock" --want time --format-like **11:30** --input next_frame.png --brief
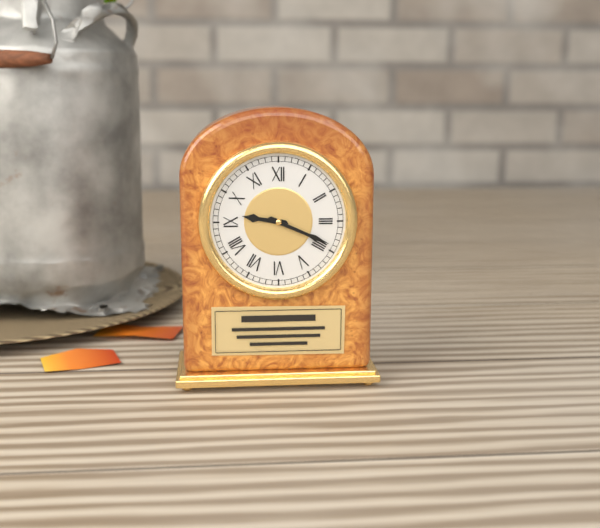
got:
**9:19**
